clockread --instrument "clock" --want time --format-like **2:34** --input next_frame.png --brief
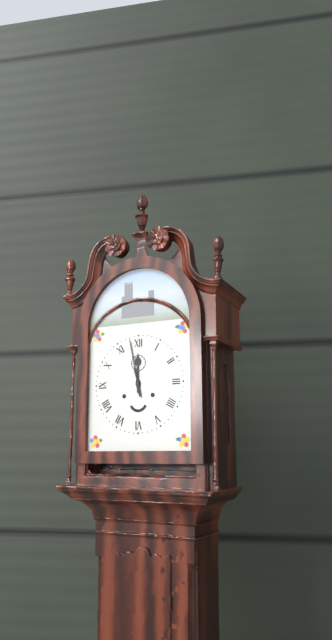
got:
**11:58**
